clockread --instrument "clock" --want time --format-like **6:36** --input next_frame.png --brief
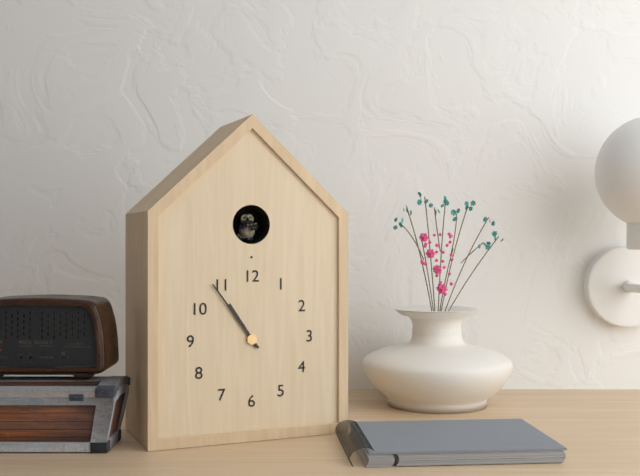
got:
**10:54**
